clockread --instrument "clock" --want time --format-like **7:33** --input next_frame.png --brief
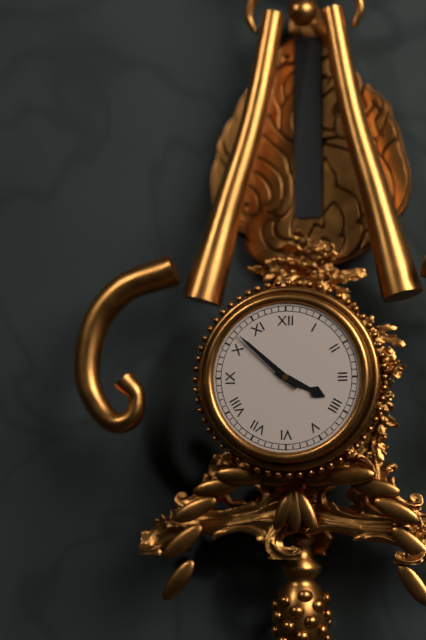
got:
**3:52**
